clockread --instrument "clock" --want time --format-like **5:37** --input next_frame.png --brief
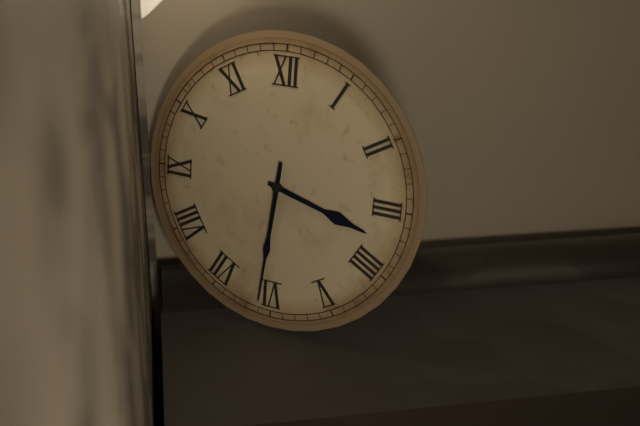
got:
**3:31**
